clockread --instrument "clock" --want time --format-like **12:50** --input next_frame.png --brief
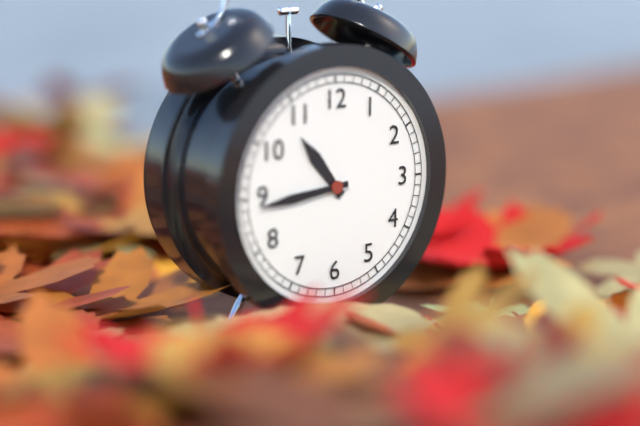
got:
**10:44**
